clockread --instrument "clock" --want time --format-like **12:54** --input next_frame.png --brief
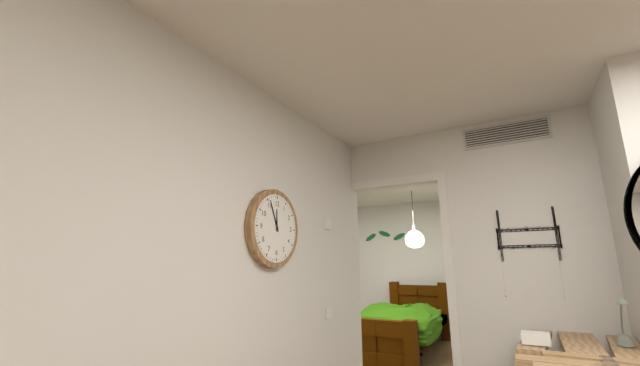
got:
**11:56**
